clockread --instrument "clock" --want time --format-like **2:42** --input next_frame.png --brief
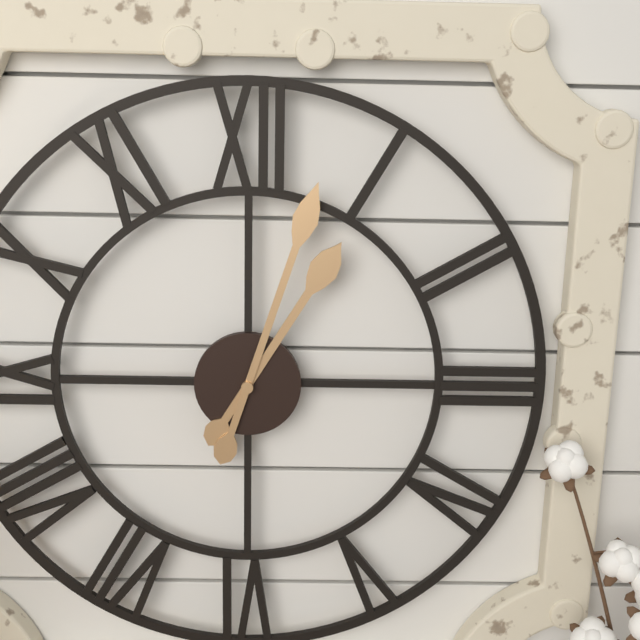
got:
**1:03**
